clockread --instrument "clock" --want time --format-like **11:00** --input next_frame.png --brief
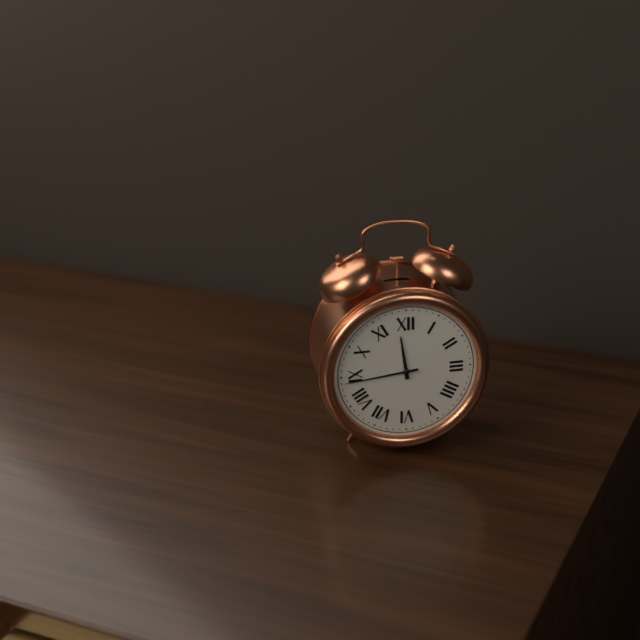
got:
**11:44**
